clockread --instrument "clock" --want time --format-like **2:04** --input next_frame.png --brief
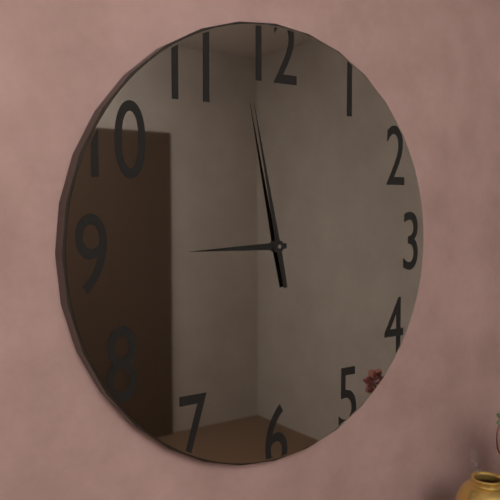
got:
**8:58**
